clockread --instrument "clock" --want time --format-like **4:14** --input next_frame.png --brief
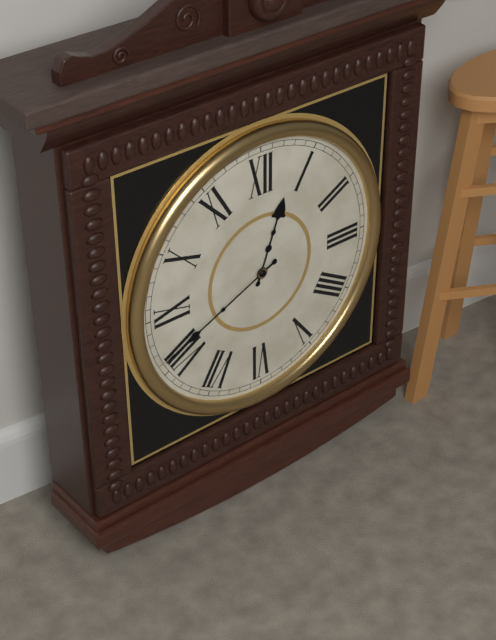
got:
**12:41**
